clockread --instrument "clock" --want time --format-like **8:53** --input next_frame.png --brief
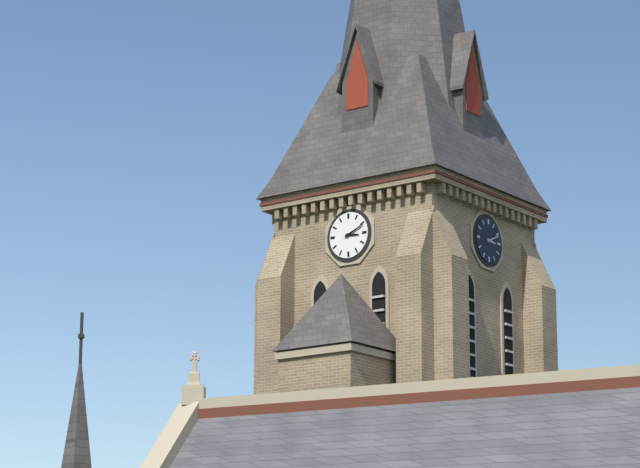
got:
**3:11**
